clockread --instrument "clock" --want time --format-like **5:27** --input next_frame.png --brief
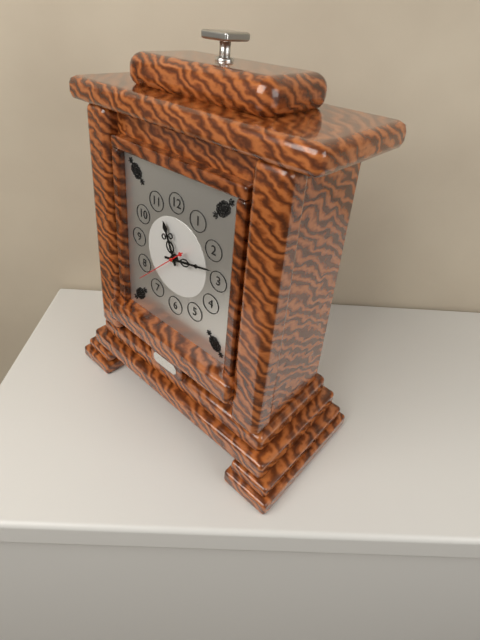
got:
**11:13**
